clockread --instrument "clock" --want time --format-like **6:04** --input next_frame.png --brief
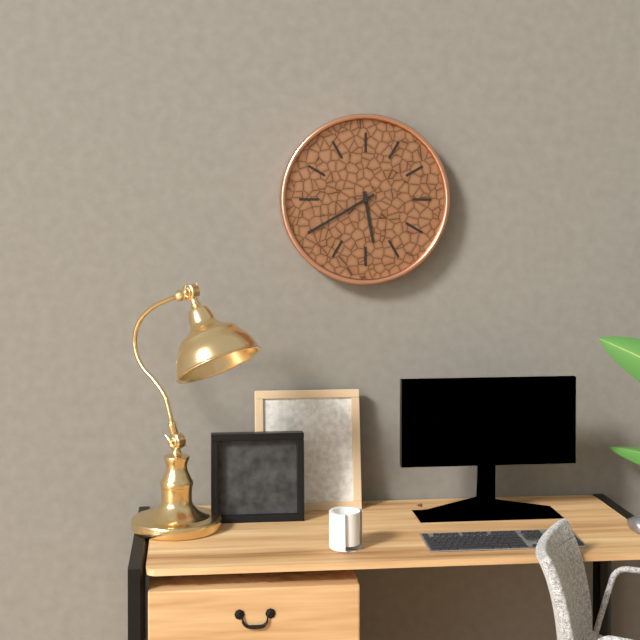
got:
**5:40**
